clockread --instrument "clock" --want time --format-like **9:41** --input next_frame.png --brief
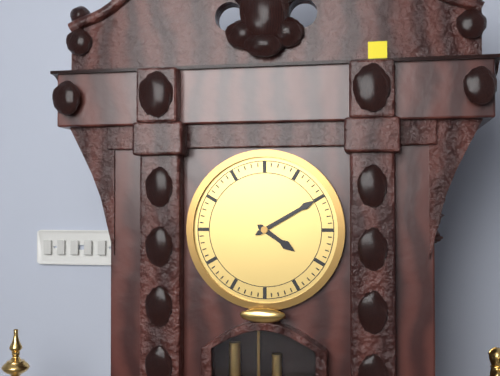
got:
**4:10**
